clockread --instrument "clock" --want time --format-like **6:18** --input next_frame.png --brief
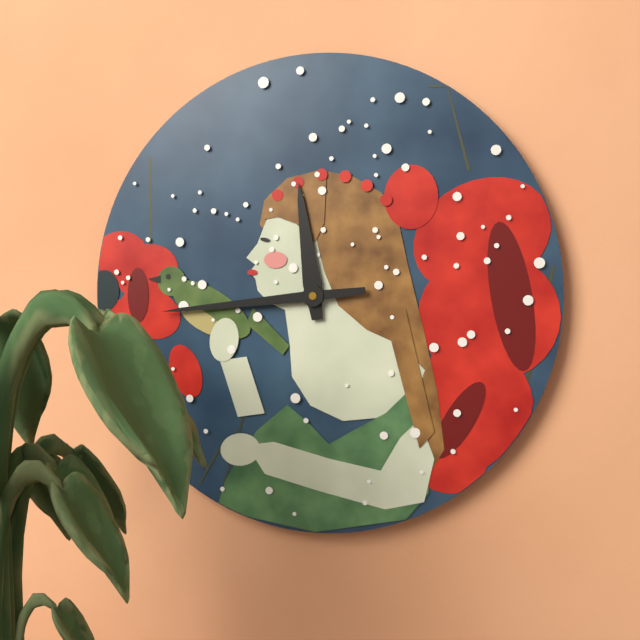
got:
**11:44**
